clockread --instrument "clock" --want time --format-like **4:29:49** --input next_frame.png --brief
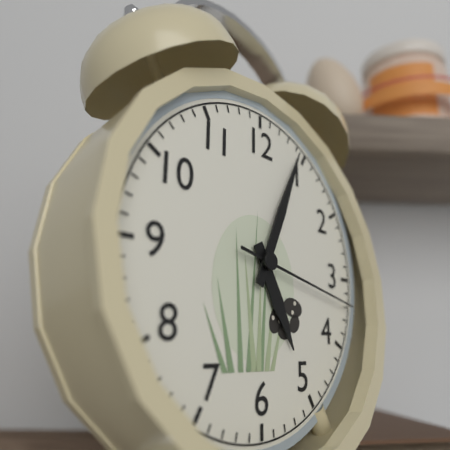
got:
**5:04:17**
